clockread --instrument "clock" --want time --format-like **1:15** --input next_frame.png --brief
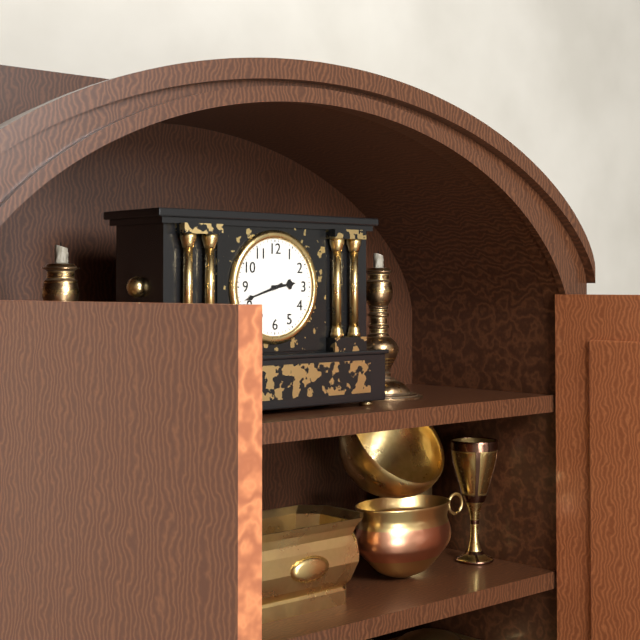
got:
**2:42**
